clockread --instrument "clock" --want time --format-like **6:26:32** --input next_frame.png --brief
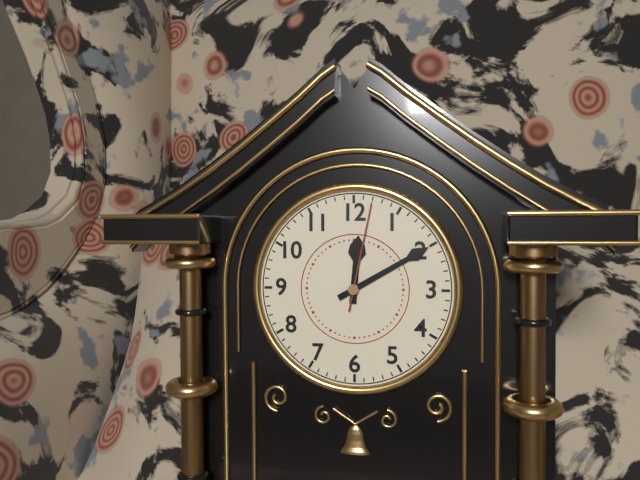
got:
**12:10:02**
